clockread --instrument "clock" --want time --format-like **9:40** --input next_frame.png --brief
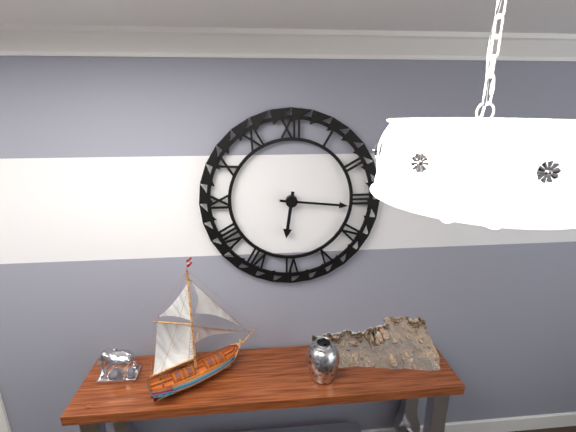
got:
**6:16**
